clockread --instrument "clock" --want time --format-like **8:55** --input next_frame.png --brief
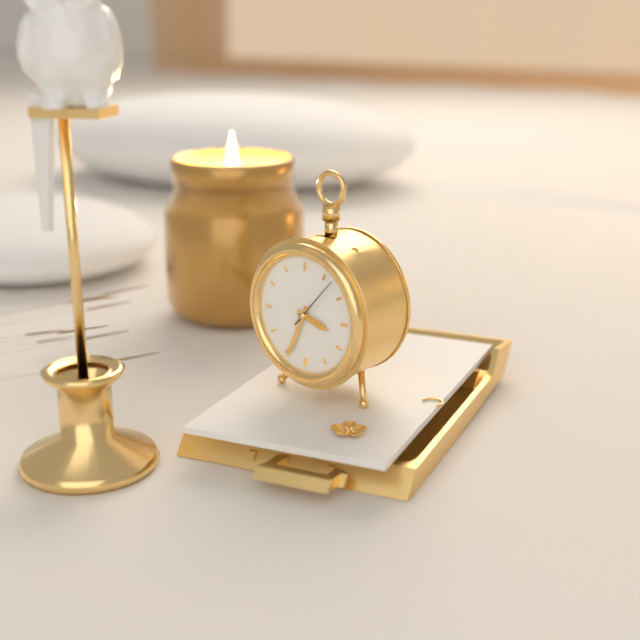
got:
**3:34**
